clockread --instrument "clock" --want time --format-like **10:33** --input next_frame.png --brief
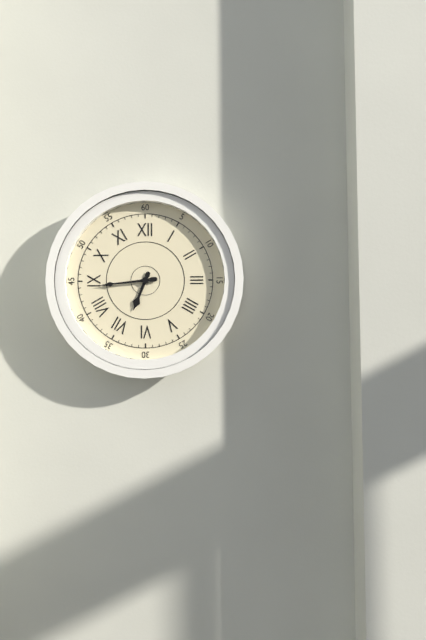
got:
**6:44**
